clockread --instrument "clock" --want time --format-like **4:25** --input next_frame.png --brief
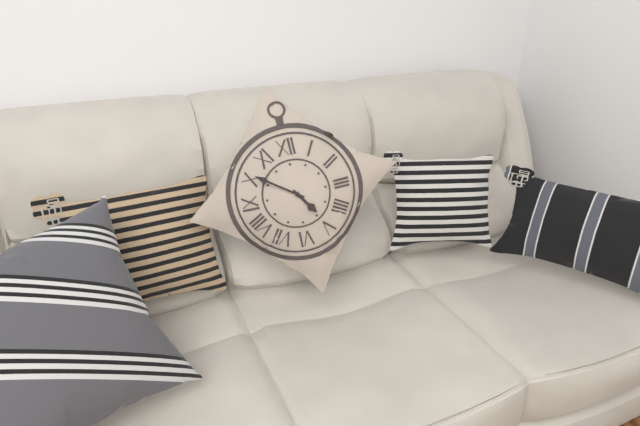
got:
**4:51**
